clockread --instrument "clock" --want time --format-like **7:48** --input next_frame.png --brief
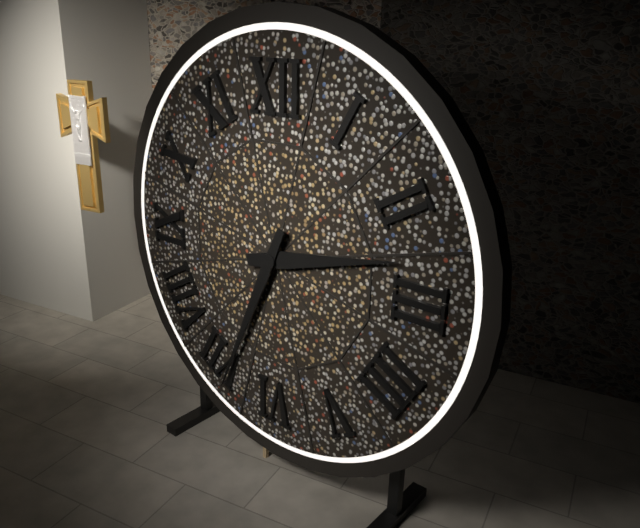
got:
**2:34**
